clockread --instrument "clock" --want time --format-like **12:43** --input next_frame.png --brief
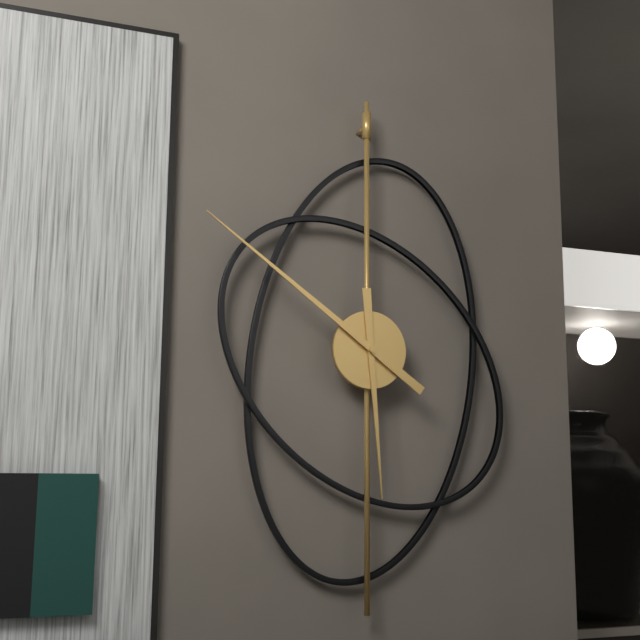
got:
**5:51**
